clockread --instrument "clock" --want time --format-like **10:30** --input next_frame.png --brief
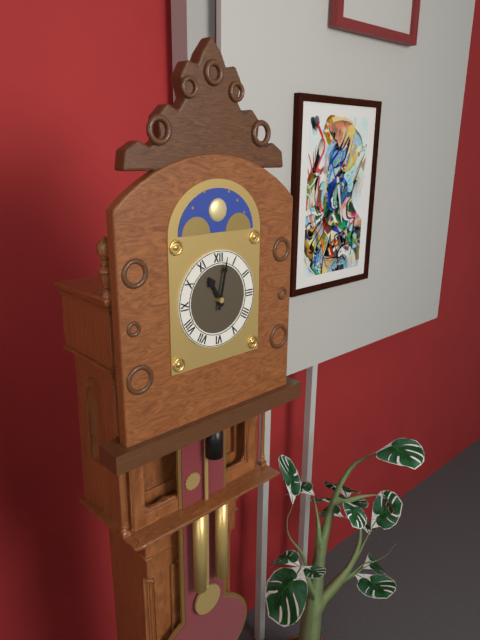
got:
**11:02**
